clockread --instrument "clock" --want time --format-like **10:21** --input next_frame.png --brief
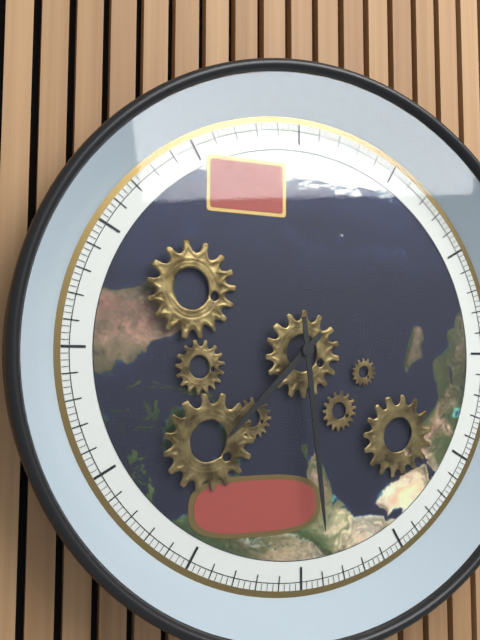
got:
**7:29**
